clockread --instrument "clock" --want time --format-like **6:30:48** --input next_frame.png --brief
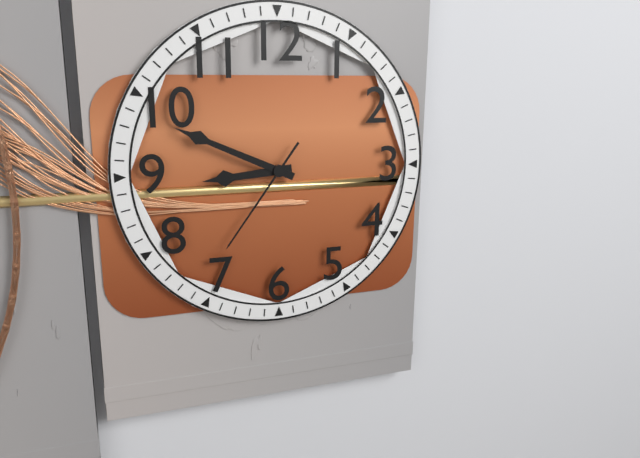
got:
**8:49:36**
